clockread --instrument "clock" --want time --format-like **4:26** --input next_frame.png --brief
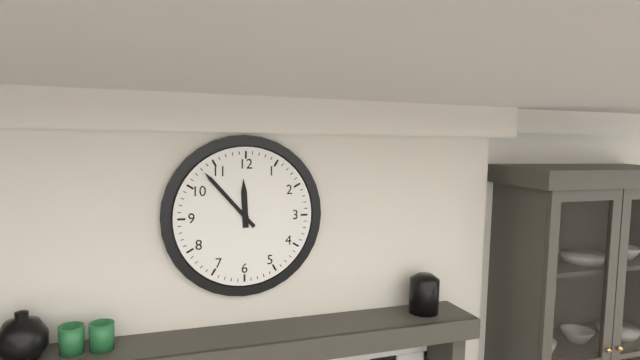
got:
**11:53**
